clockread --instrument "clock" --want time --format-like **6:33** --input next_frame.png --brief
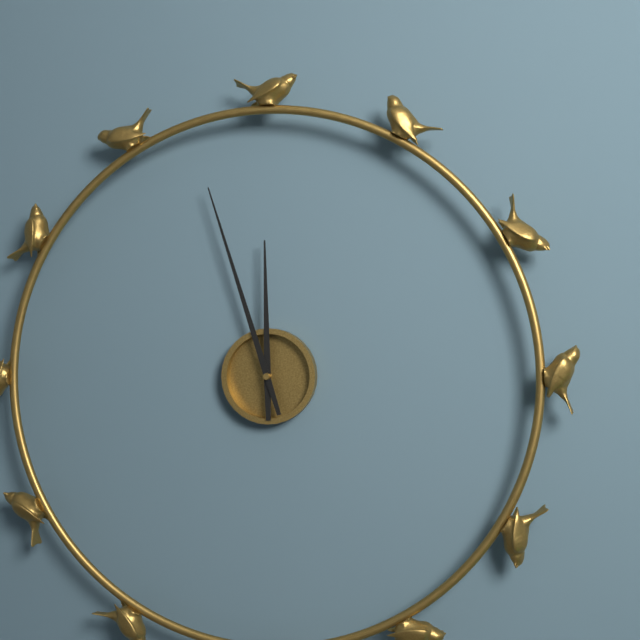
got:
**11:57**
